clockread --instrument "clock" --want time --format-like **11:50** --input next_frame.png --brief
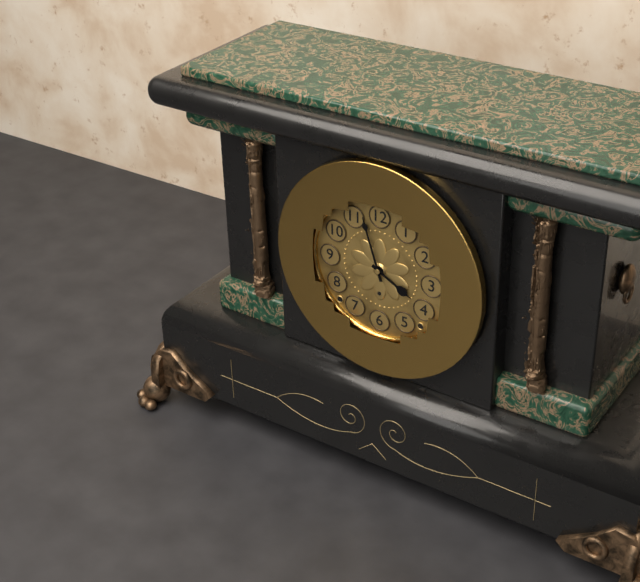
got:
**3:57**
